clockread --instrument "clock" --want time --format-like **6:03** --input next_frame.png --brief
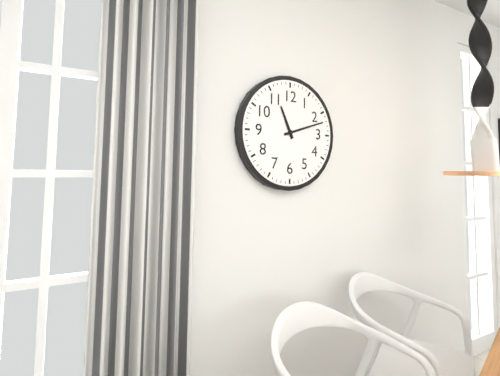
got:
**11:12**
